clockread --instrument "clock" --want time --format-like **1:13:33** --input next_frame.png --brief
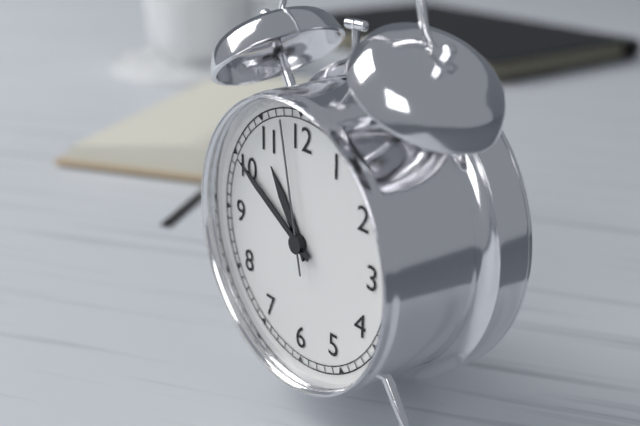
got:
**10:50:58**
